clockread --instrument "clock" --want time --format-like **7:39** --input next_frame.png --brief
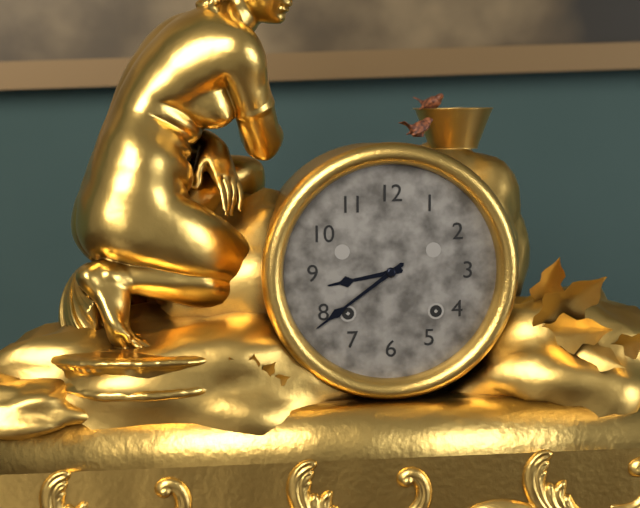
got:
**8:39**
